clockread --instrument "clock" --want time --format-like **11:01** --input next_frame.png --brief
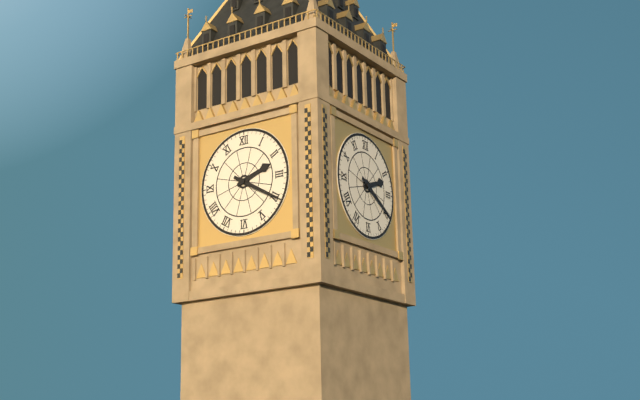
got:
**2:20**
